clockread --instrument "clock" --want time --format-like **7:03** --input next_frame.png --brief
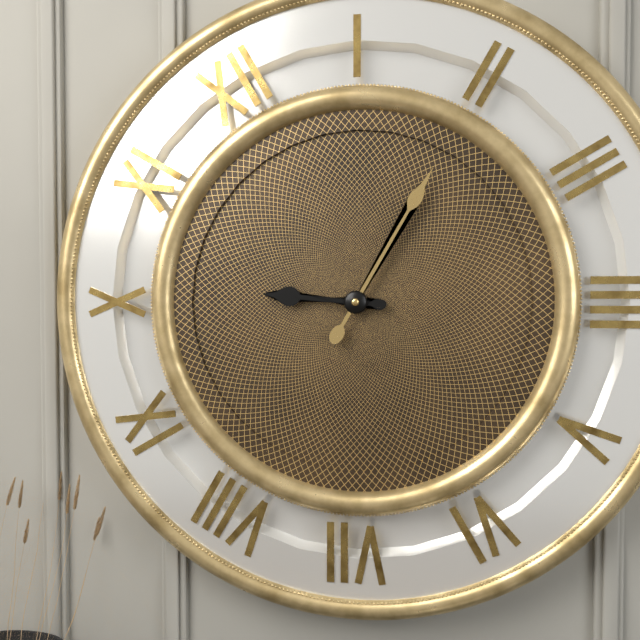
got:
**10:10**
